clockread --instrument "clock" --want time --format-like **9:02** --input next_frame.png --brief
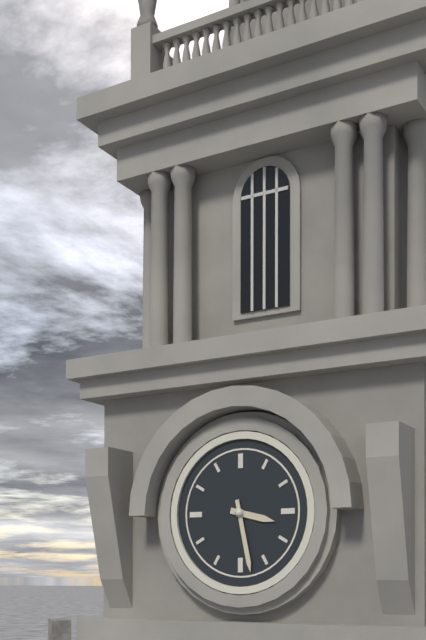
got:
**3:28**
